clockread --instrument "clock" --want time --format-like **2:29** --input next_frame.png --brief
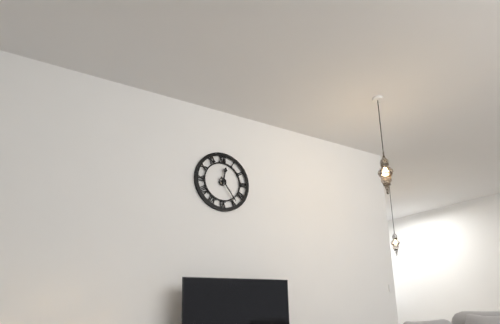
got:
**12:24**
